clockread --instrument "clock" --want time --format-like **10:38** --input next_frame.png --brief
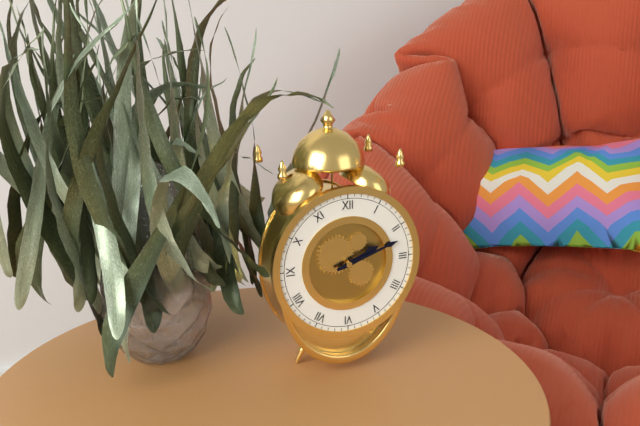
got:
**2:12**
